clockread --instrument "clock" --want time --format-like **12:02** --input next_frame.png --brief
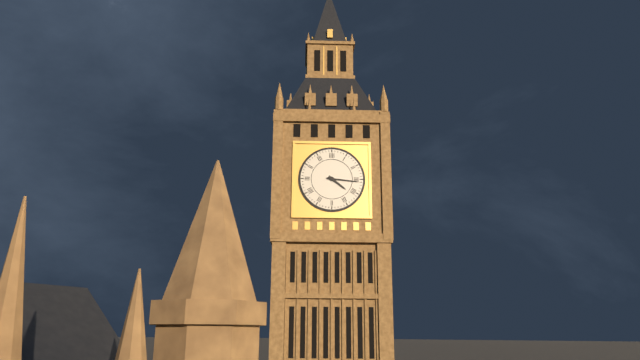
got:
**4:16**
